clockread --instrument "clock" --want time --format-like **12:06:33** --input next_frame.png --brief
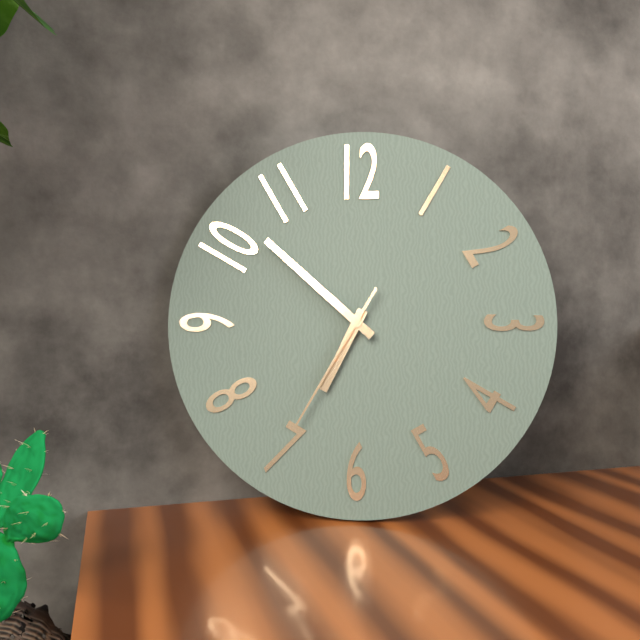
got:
**6:52:35**
